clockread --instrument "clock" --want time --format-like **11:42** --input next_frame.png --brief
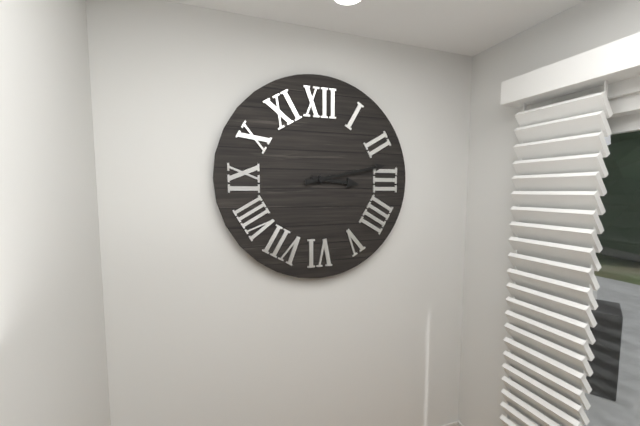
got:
**3:13**
